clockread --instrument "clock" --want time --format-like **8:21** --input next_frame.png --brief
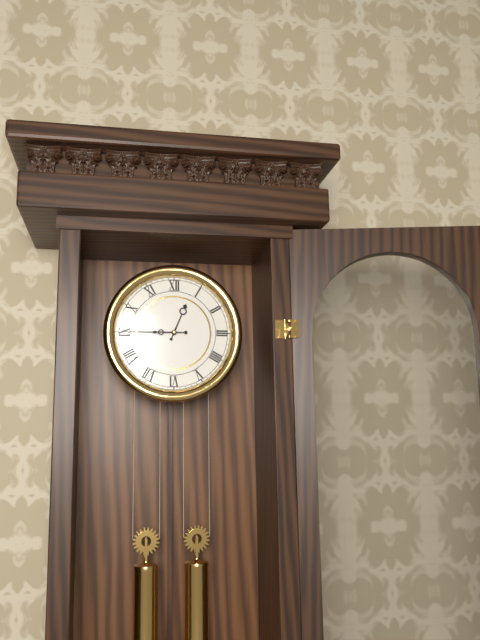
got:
**12:45**
